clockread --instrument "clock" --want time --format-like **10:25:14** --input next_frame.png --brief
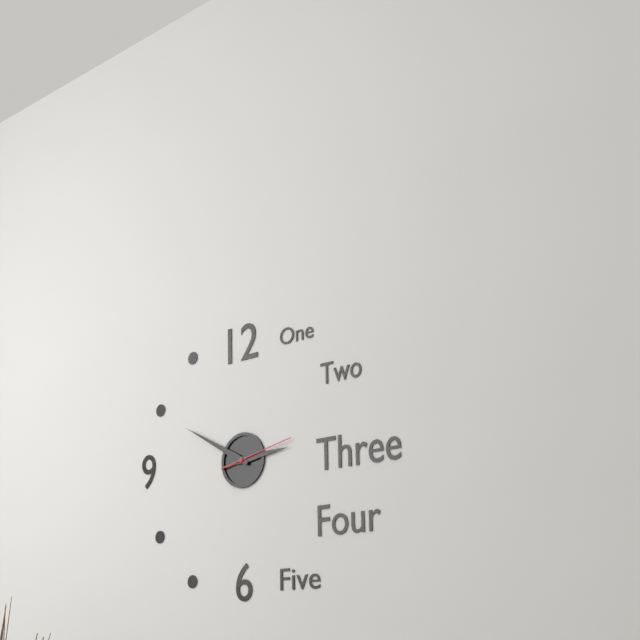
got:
**2:50:13**
